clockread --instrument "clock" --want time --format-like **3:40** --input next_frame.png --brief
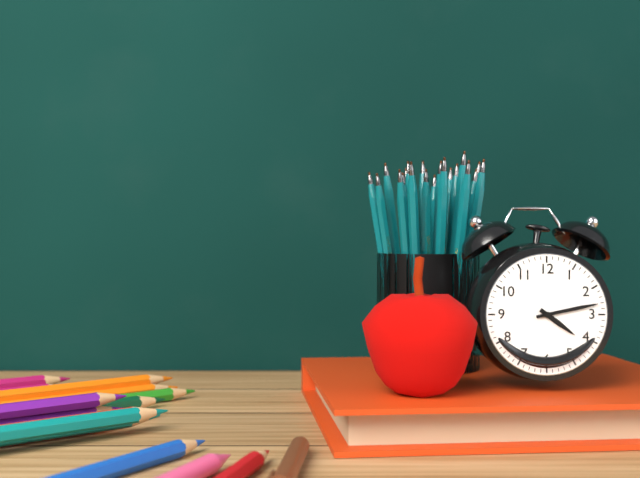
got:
**4:13**
